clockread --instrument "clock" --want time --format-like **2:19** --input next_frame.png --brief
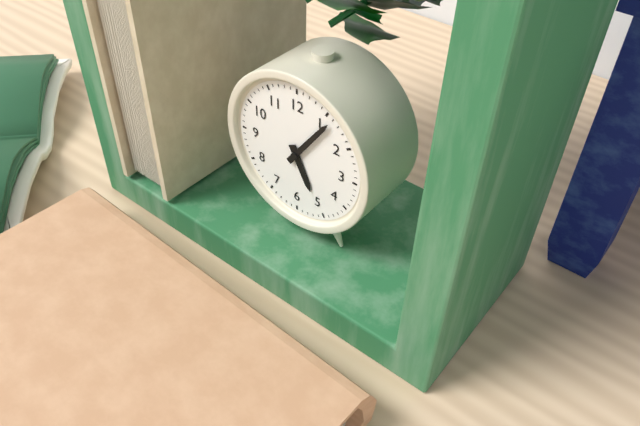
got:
**5:06**
